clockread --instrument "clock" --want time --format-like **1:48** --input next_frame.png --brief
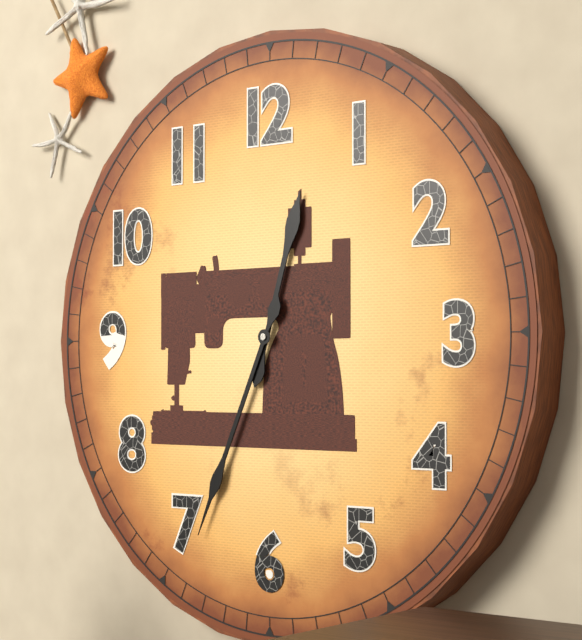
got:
**12:34**
